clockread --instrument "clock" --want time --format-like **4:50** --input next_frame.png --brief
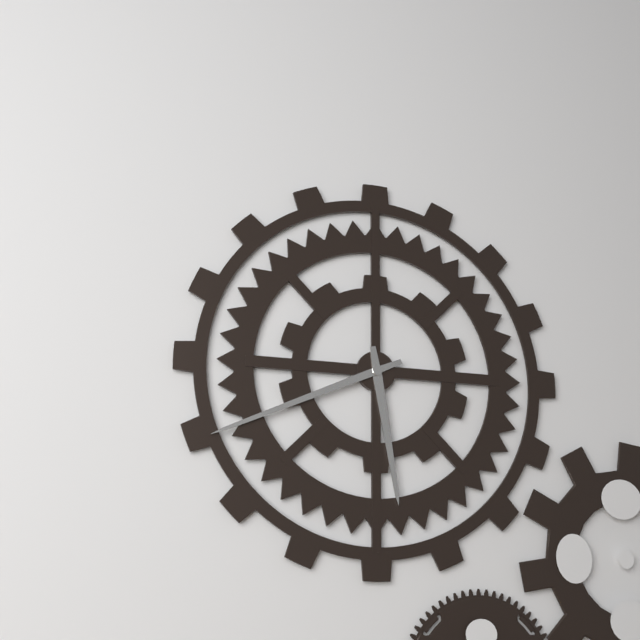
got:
**5:41**
